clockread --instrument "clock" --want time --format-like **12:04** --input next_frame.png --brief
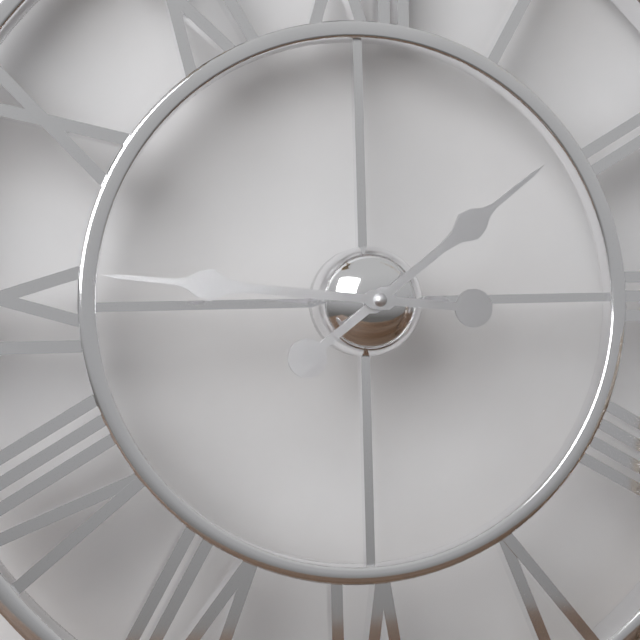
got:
**1:46**
